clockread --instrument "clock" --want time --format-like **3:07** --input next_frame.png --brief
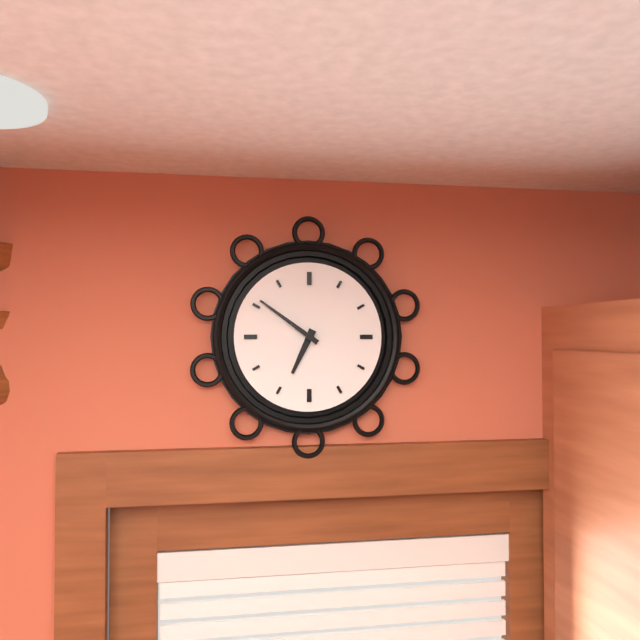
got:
**6:51**
